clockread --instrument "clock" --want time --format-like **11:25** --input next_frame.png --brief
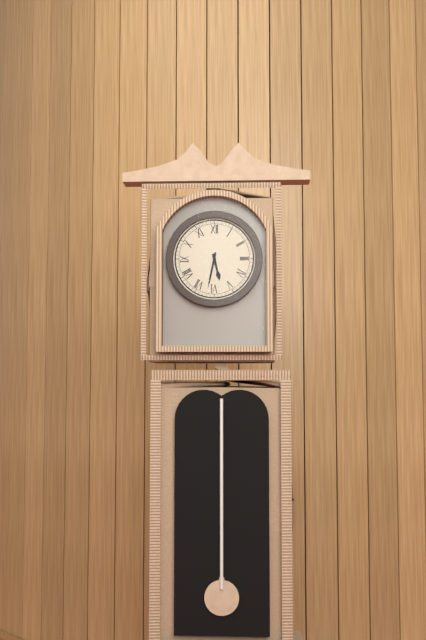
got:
**5:32**
